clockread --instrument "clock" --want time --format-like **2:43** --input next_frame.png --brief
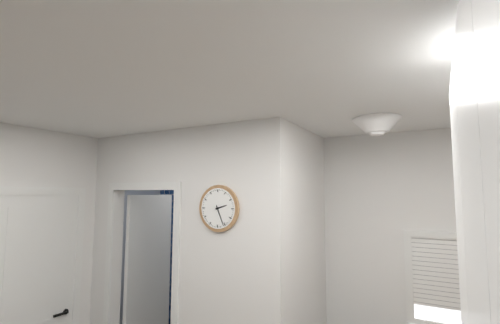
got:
**2:26**
